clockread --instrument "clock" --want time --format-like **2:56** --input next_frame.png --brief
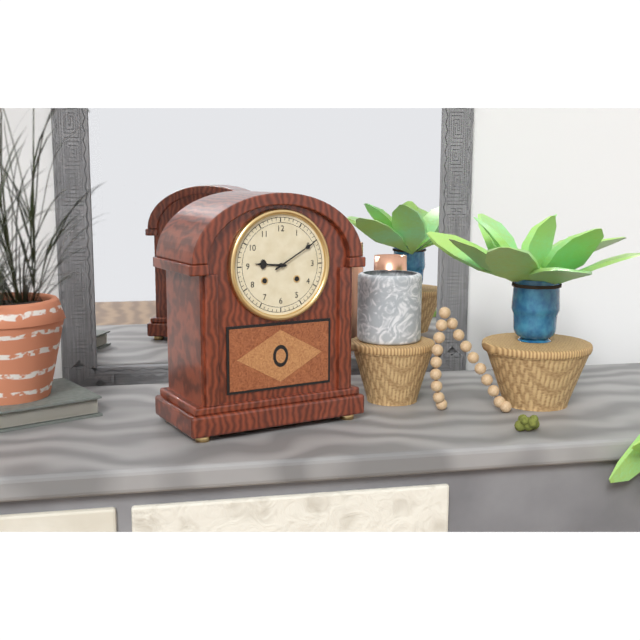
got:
**9:10**
